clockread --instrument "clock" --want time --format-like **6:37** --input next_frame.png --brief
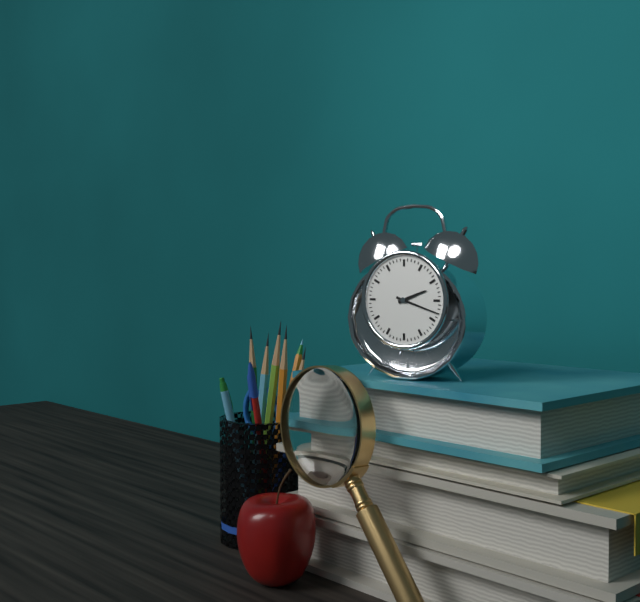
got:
**2:18**
